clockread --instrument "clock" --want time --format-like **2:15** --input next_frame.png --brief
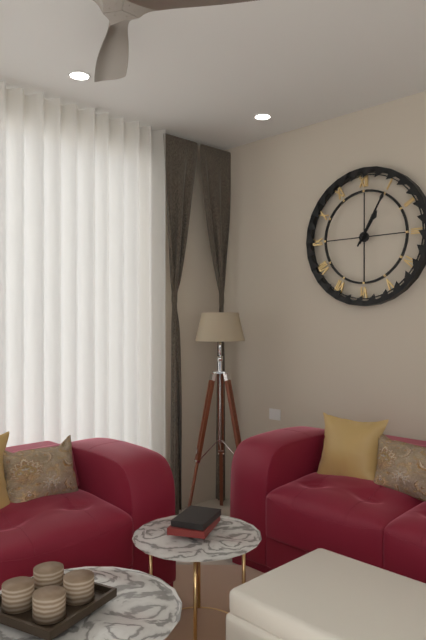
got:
**1:05**
